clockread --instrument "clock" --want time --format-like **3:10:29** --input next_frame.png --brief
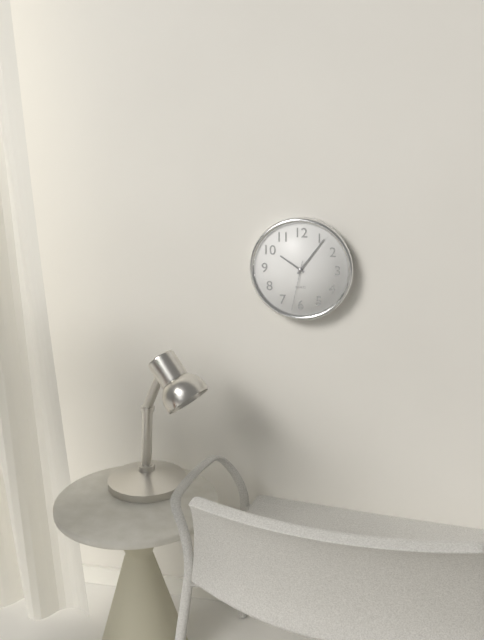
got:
**10:06:32**
